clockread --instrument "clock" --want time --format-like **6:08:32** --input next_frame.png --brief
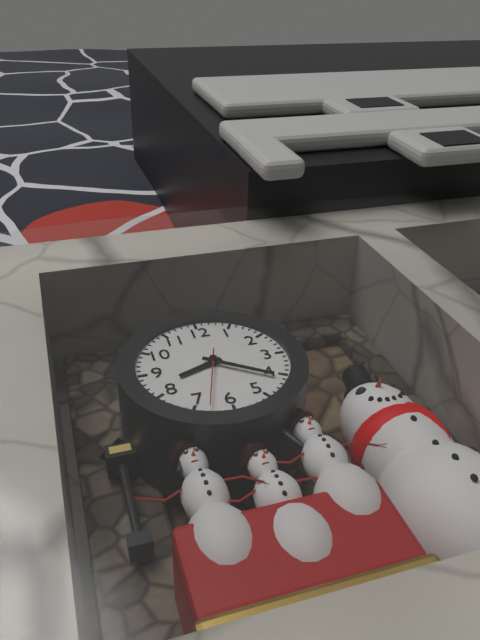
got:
**8:21:33**
